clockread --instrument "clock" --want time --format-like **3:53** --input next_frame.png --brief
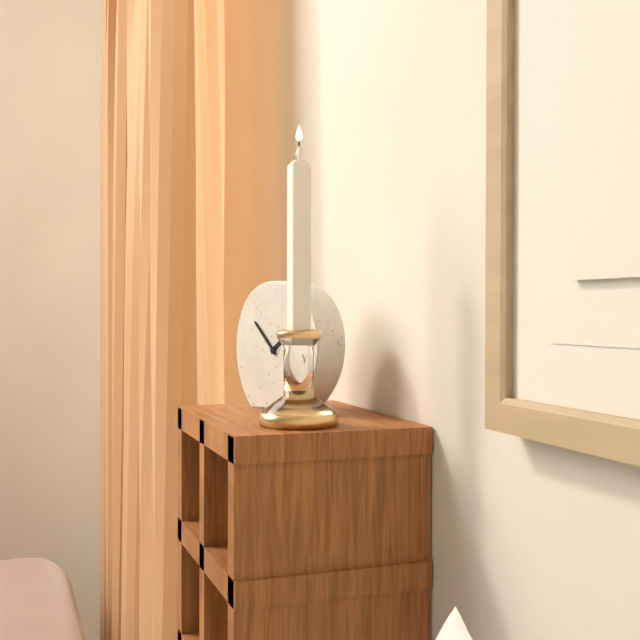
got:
**1:52**
